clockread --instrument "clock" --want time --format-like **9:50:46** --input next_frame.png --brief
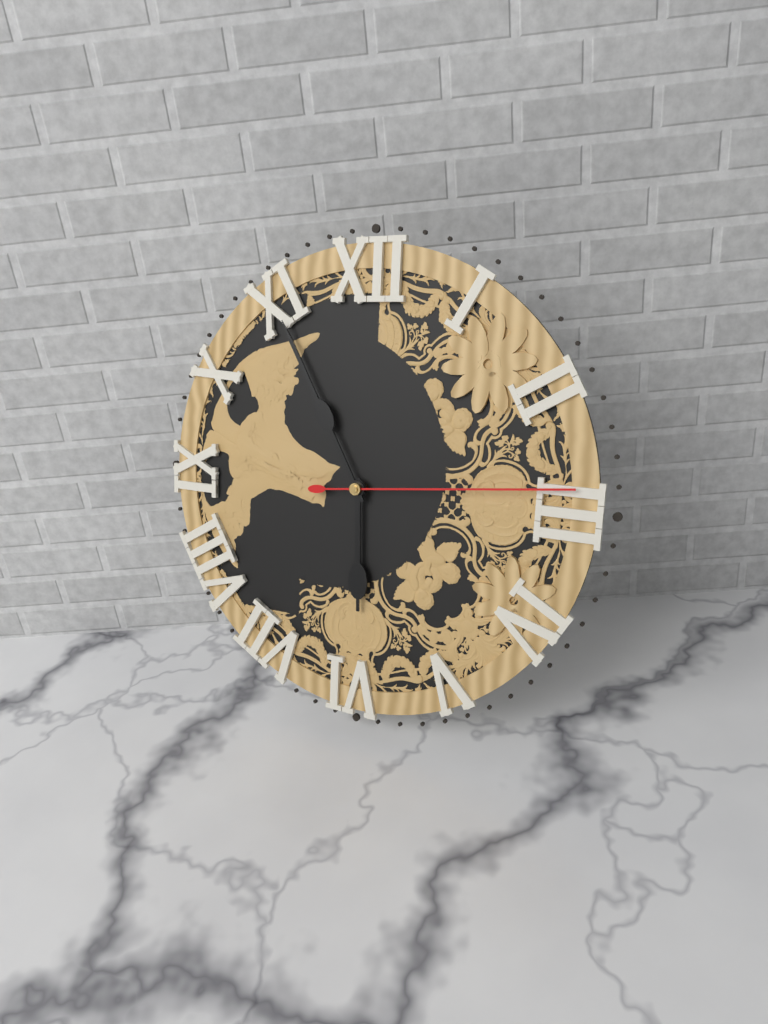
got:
**5:55:14**
